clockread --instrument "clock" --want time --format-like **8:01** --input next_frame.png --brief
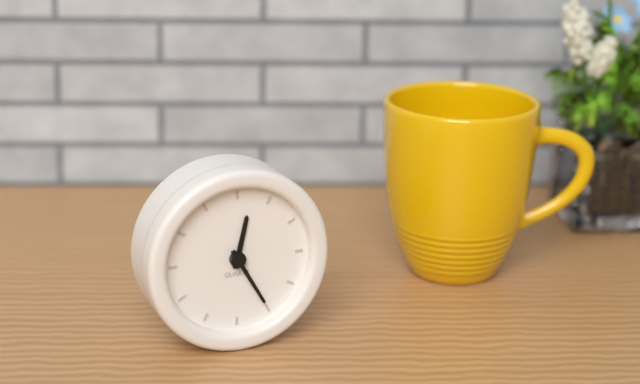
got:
**12:25**
